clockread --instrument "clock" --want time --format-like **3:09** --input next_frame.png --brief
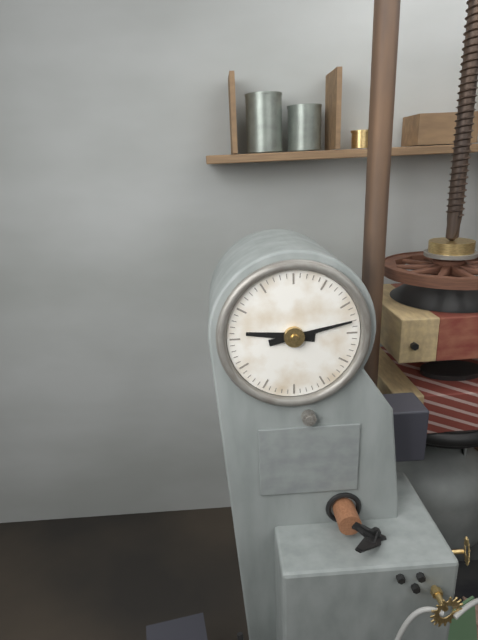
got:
**9:13**
